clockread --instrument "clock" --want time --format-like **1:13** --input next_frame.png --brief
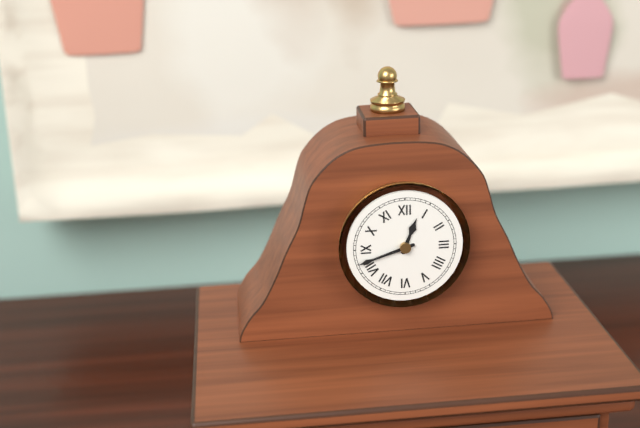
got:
**12:42**
